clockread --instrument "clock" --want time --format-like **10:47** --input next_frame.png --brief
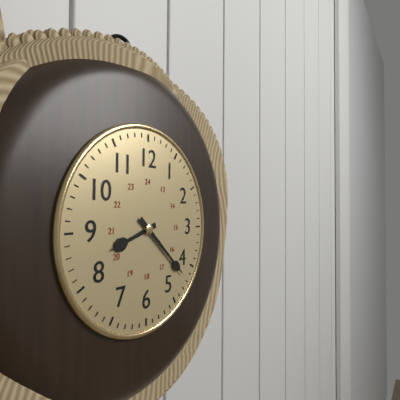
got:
**8:22**
